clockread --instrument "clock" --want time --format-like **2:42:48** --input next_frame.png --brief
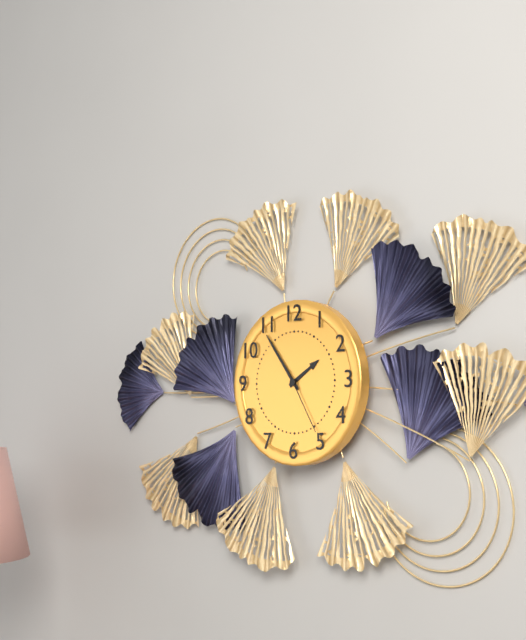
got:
**1:54:25**
